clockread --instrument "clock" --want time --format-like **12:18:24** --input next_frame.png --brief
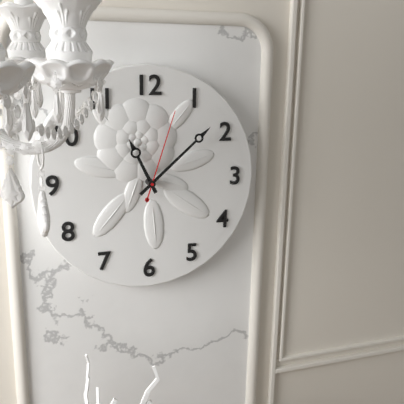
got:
**11:08:03**
